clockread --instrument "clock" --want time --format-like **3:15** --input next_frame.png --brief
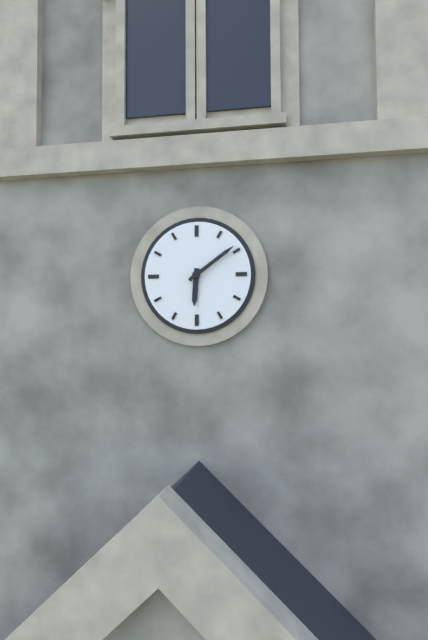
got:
**6:09**
